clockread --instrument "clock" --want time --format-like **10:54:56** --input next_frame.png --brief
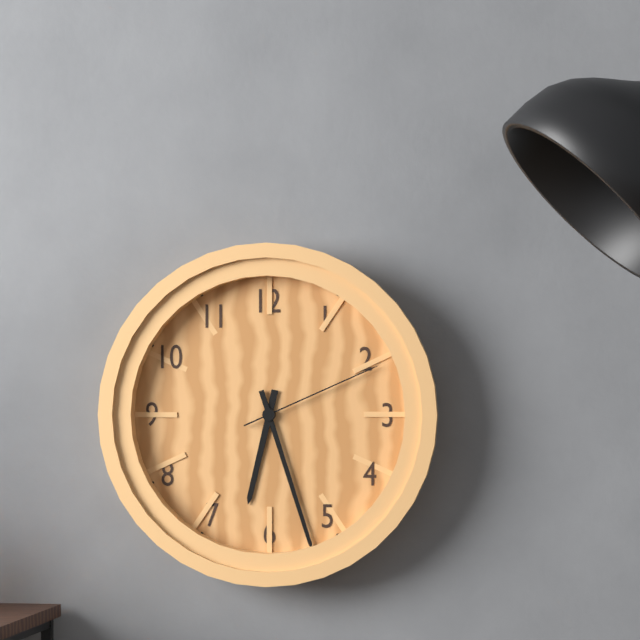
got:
**6:27:11**
